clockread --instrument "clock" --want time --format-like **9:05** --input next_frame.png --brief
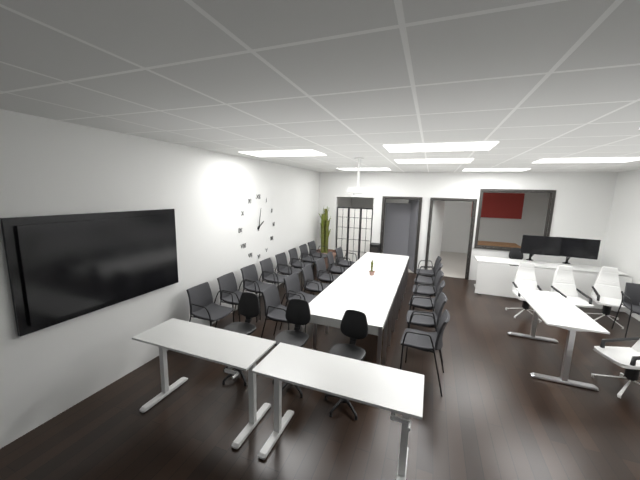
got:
**2:02**
